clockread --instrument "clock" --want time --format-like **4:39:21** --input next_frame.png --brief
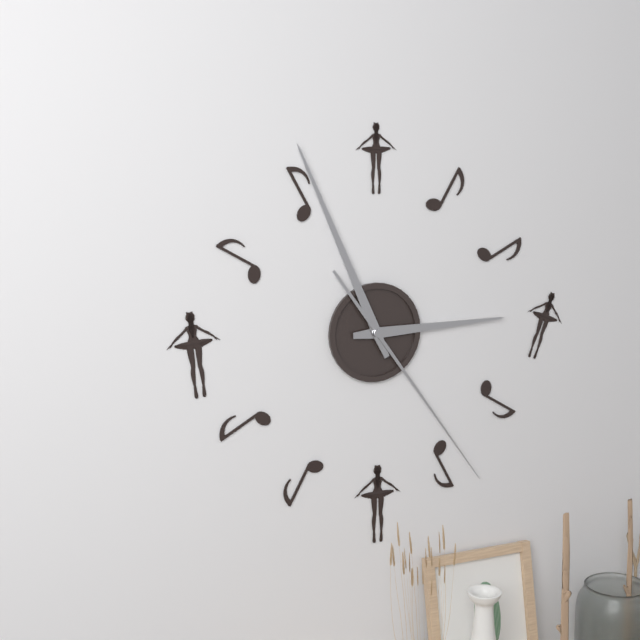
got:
**2:56:24**
